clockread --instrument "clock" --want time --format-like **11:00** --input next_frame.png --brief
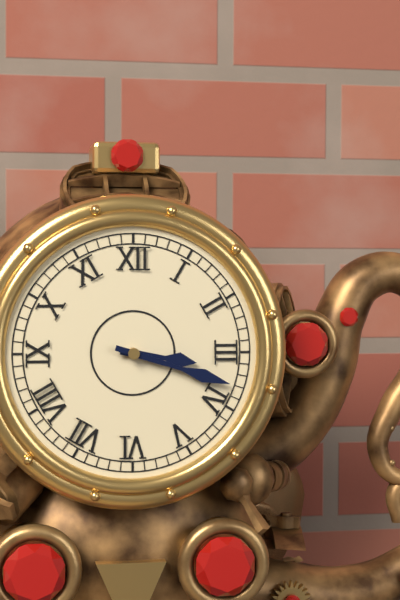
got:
**3:18**
